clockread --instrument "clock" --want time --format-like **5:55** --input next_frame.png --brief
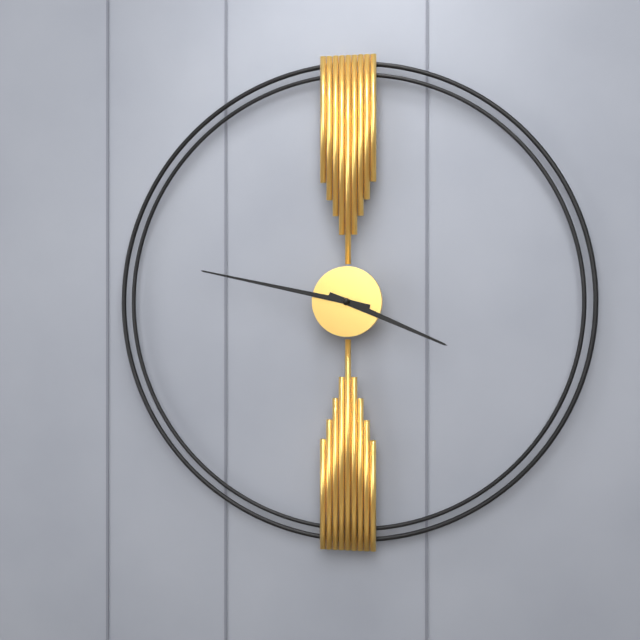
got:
**3:47**
